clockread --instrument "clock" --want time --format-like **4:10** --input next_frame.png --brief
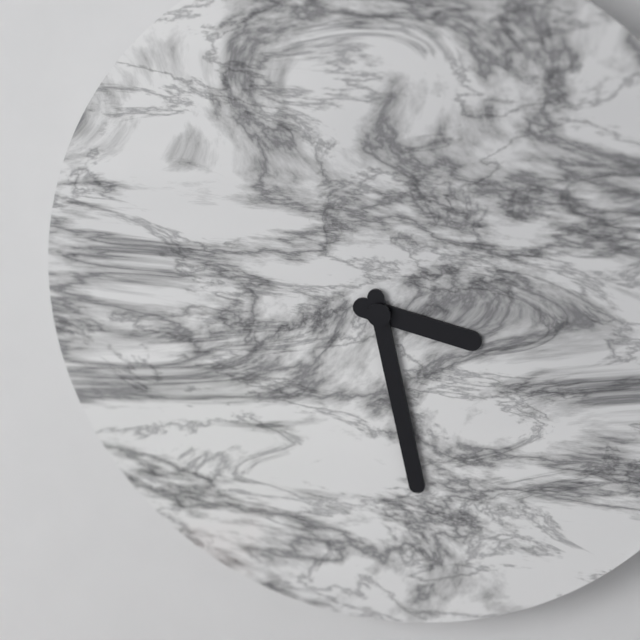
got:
**3:28**
